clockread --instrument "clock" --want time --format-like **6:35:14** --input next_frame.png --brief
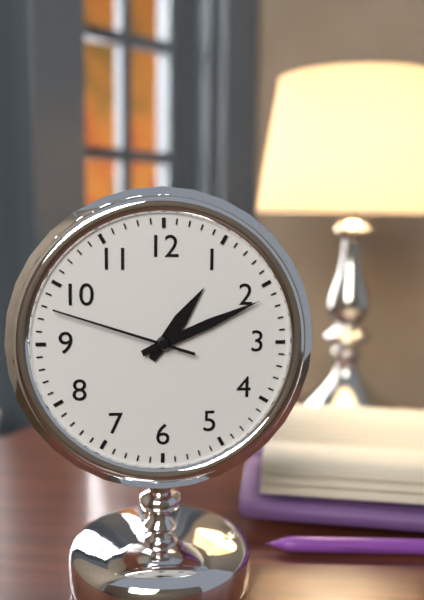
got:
**1:11:48**
